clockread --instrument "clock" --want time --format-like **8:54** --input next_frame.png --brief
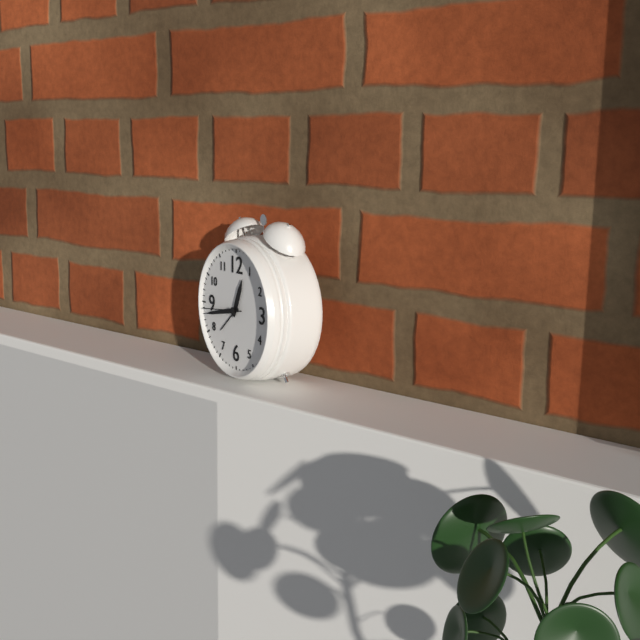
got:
**12:43**
